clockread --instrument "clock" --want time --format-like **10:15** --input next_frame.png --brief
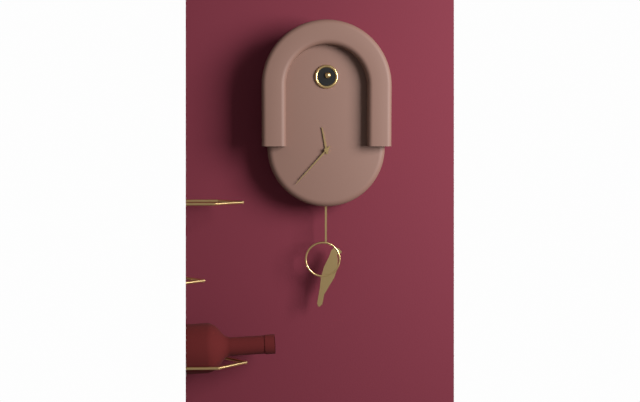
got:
**11:37**
